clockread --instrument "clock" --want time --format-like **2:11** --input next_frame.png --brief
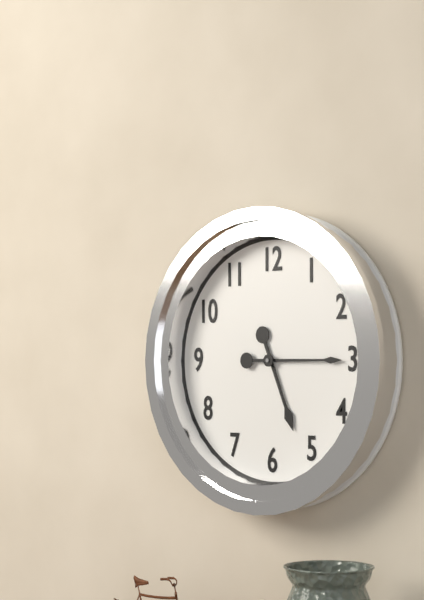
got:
**5:15**
